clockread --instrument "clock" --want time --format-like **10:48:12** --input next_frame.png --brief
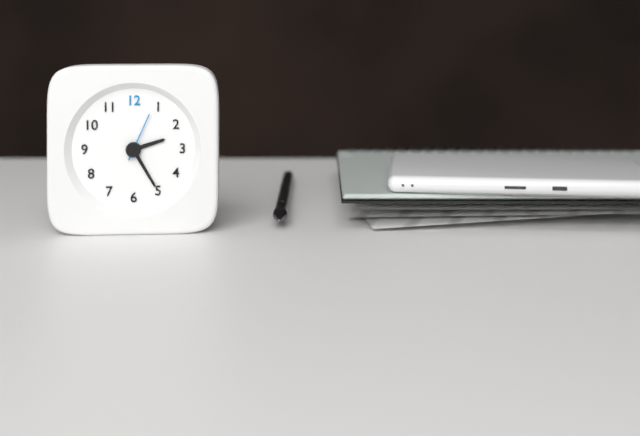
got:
**2:25:04**
